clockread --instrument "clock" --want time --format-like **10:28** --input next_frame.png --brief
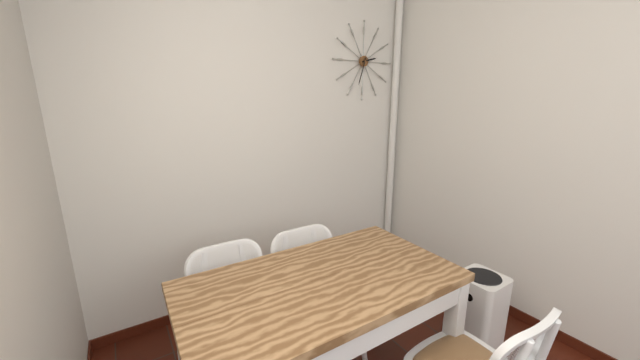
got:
**2:33**
